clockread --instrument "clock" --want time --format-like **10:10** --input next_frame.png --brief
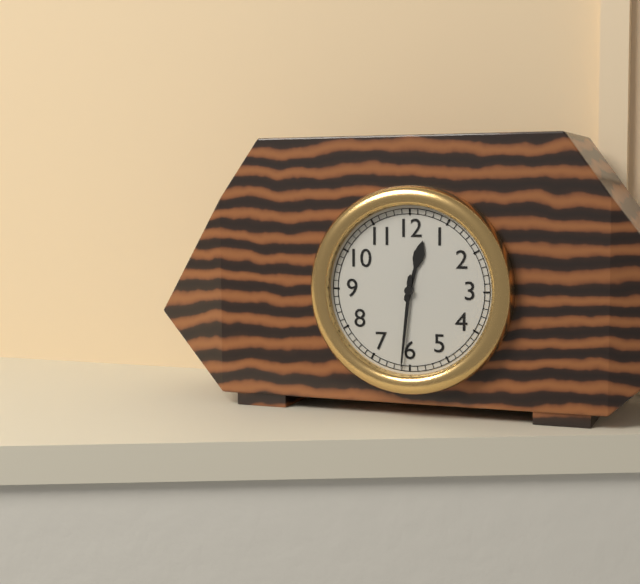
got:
**12:31**
